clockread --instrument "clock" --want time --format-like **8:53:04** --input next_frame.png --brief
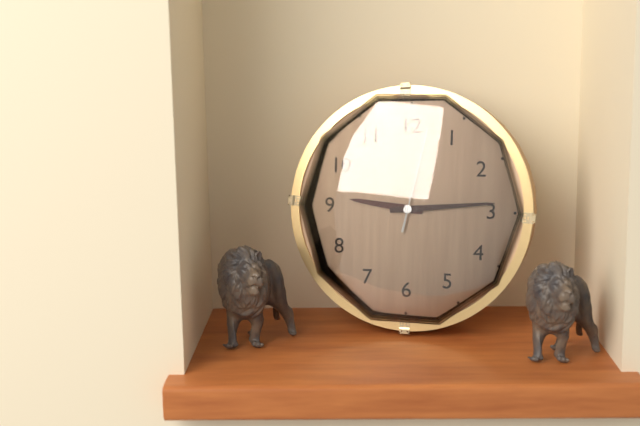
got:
**9:14:02**
